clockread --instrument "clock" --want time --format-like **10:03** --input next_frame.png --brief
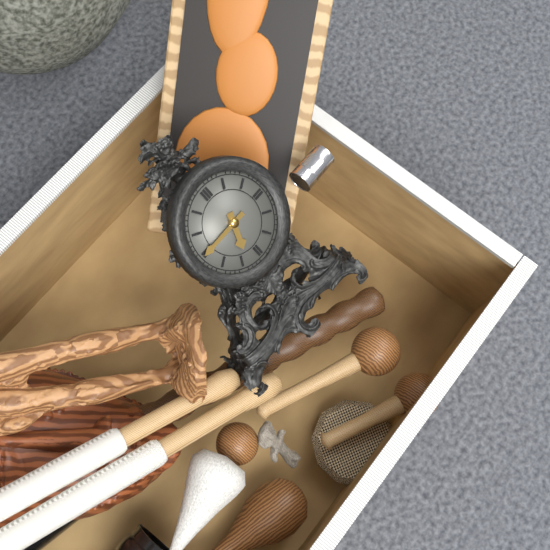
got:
**6:45**
